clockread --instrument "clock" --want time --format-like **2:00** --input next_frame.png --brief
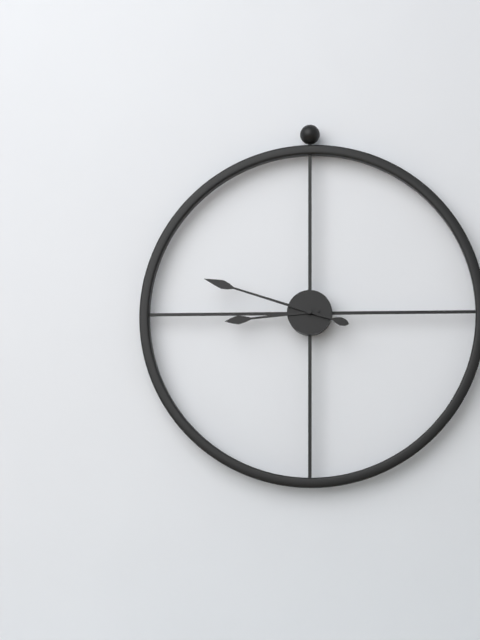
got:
**8:48**
